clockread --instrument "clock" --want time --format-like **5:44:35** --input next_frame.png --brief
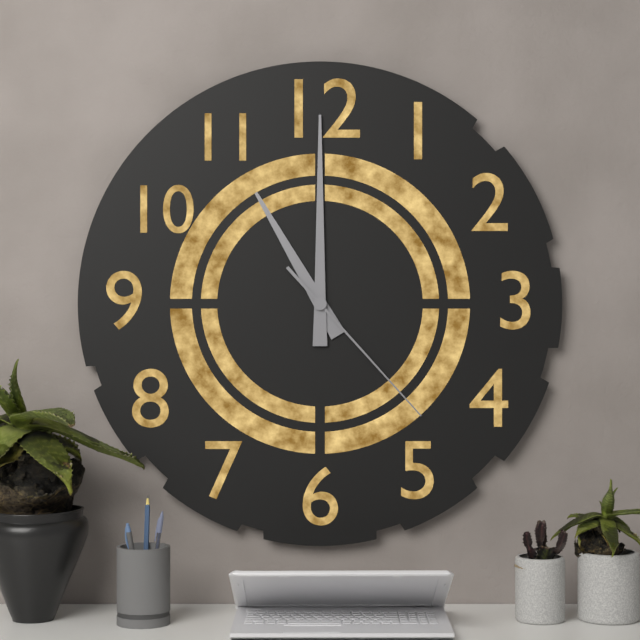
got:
**11:00:23**
